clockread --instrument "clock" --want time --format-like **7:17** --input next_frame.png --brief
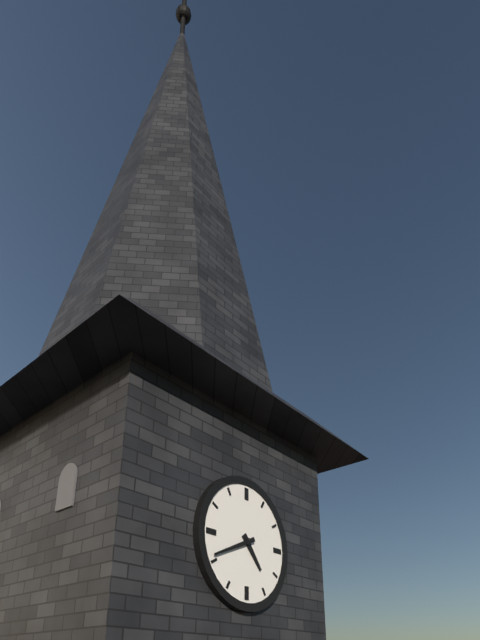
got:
**4:41**
